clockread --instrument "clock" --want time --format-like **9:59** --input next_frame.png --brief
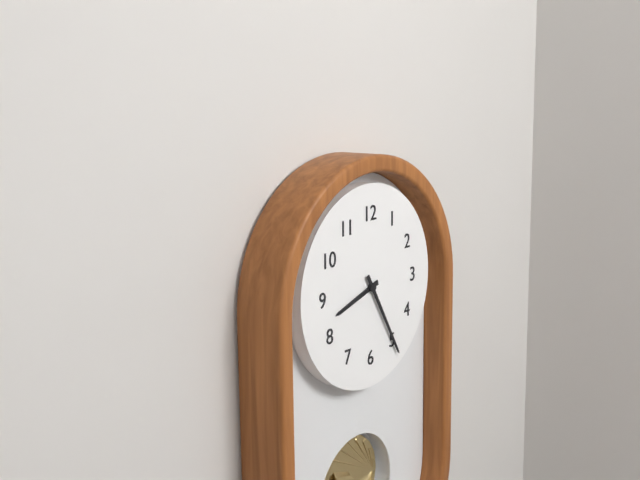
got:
**8:25**
